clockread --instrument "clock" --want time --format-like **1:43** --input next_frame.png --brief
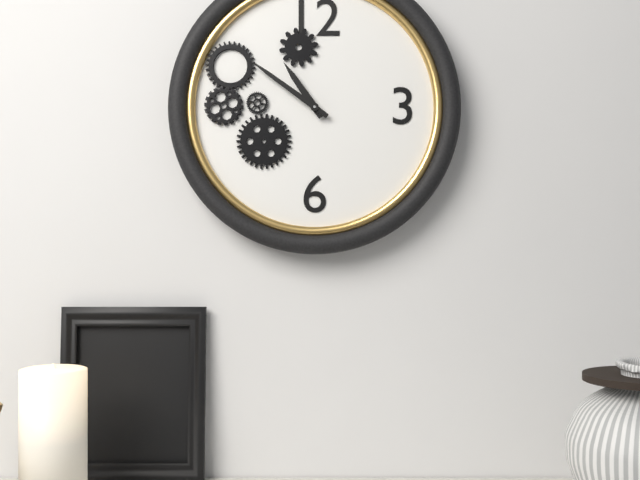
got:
**10:51**
